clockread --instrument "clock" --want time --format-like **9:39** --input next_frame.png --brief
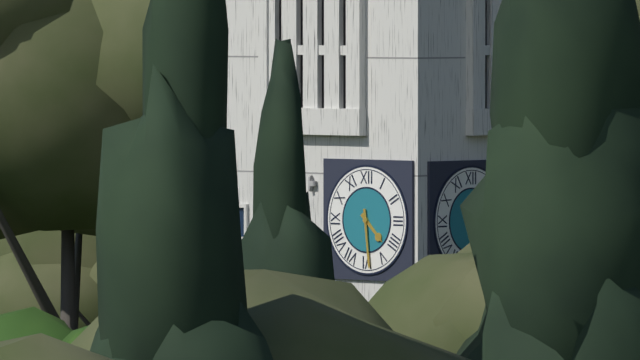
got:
**4:29**
